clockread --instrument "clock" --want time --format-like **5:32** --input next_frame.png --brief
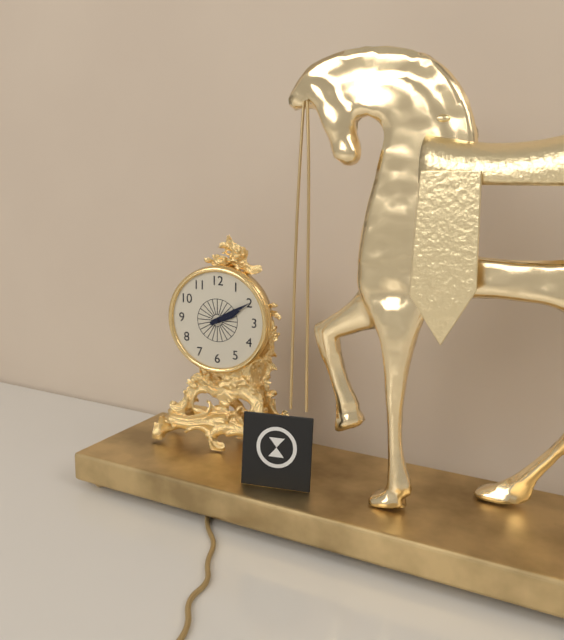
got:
**2:10**
